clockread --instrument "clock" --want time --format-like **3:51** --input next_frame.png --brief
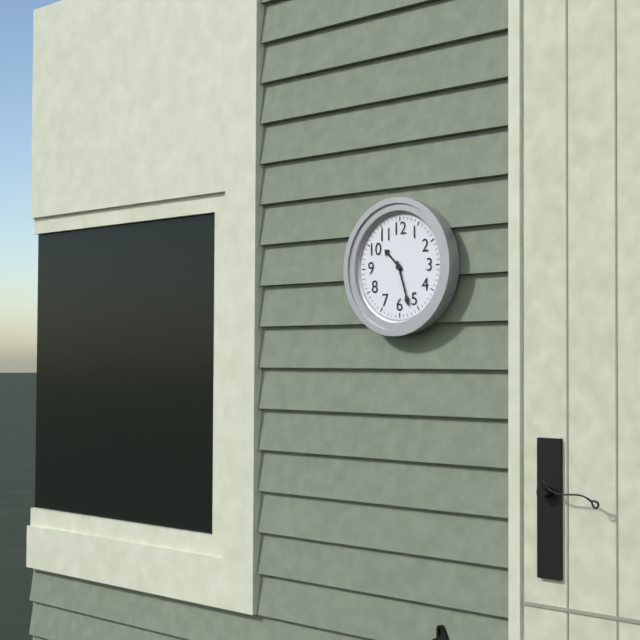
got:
**10:27**
